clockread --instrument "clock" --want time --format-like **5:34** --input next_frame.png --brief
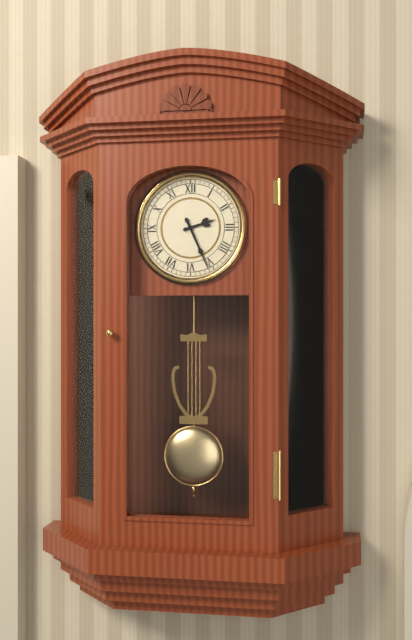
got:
**2:26**
